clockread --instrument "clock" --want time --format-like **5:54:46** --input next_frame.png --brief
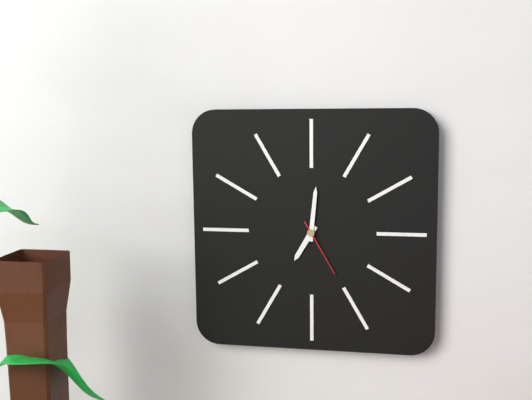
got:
**7:01:25**
